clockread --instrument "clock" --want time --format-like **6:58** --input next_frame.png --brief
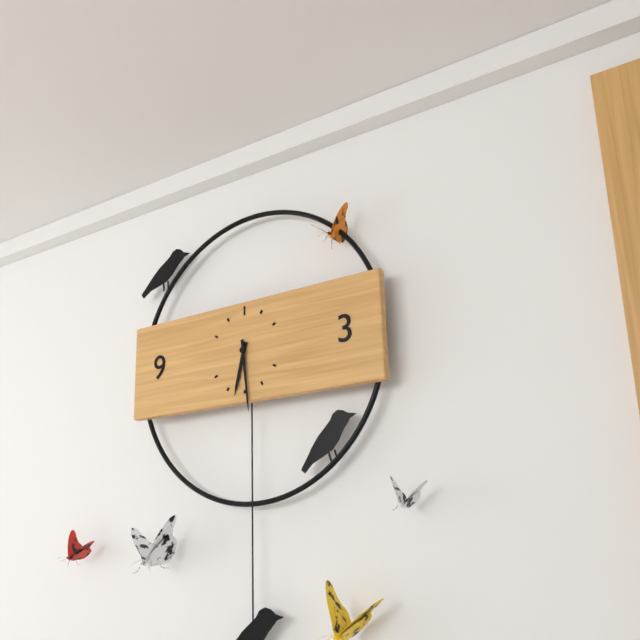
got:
**6:29**
